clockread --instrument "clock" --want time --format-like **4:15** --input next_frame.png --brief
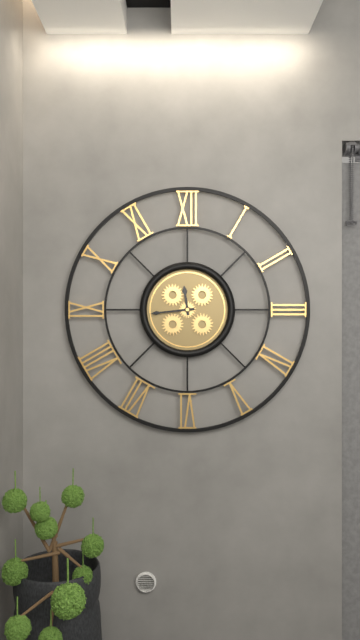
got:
**11:44**
